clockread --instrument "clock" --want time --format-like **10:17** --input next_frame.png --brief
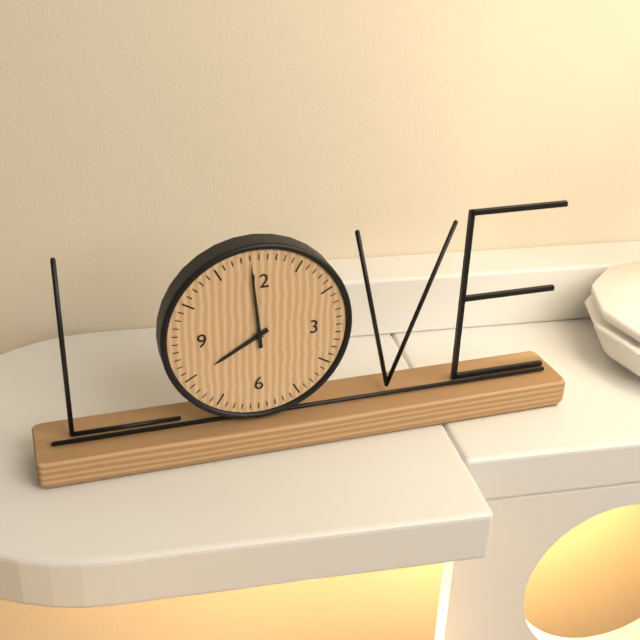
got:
**7:59**
